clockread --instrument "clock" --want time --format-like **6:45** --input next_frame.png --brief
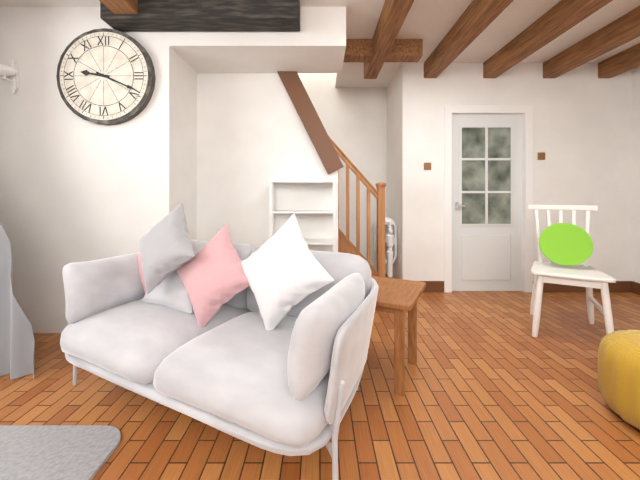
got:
**9:19**
